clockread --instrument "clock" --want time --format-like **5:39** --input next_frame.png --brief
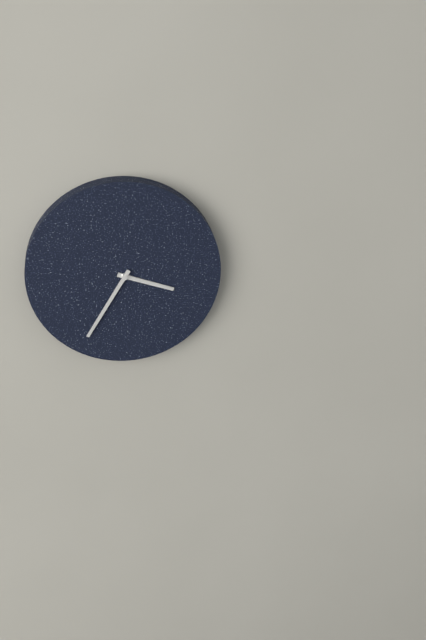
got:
**3:35**
